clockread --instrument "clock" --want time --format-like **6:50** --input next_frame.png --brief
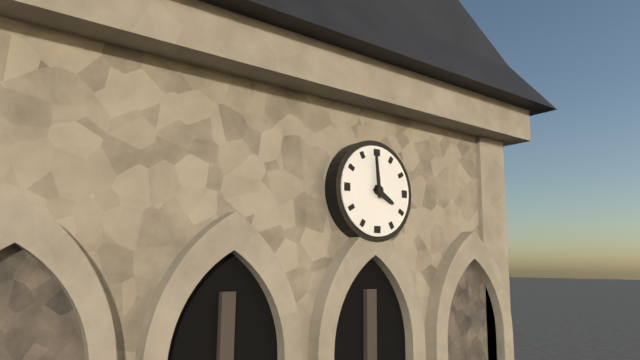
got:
**3:59**
